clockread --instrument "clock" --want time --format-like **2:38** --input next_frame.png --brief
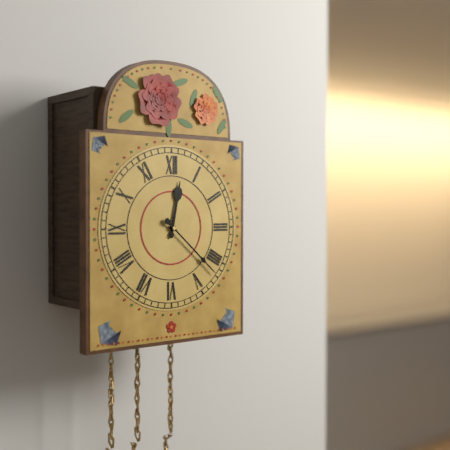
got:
**12:22**
